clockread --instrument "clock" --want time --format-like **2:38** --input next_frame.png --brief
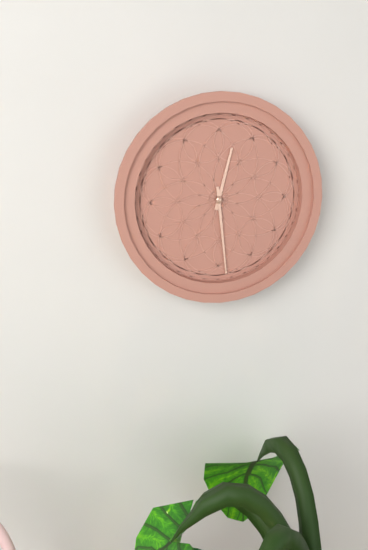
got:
**12:29**
